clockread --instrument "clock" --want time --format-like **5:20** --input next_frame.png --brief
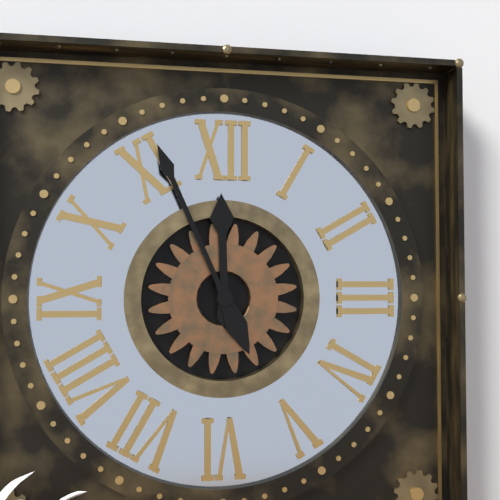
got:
**11:56**
